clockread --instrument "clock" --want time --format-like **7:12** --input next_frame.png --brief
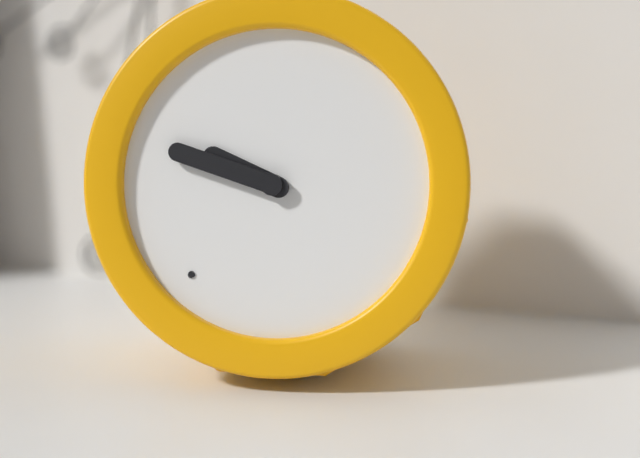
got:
**9:48**
